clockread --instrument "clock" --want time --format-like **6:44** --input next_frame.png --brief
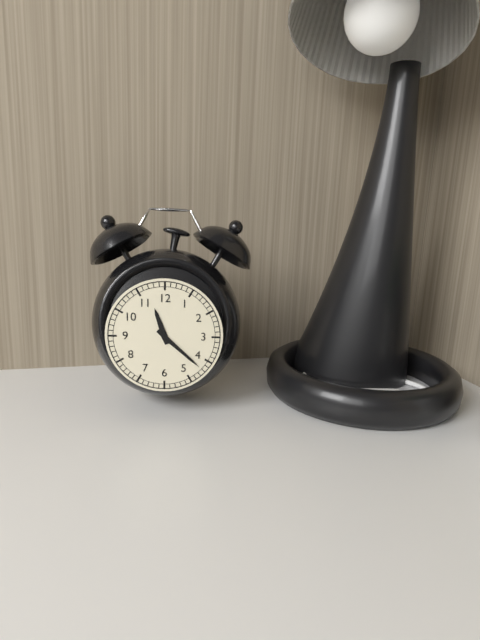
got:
**11:22**
